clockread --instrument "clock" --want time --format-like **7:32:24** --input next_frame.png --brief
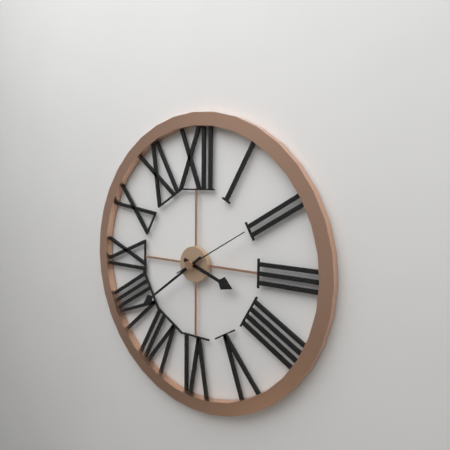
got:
**3:39:10**
